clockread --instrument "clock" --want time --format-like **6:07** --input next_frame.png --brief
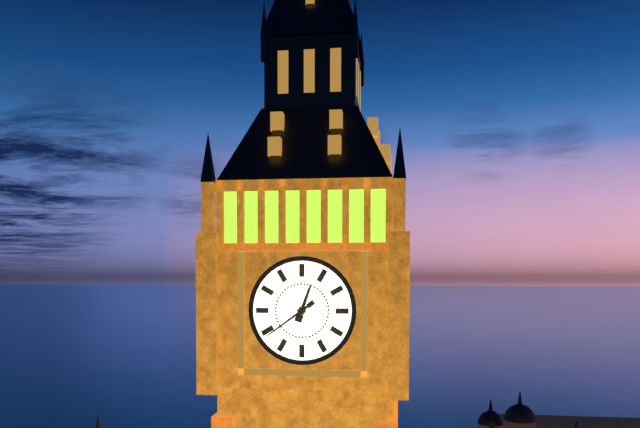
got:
**12:39**
